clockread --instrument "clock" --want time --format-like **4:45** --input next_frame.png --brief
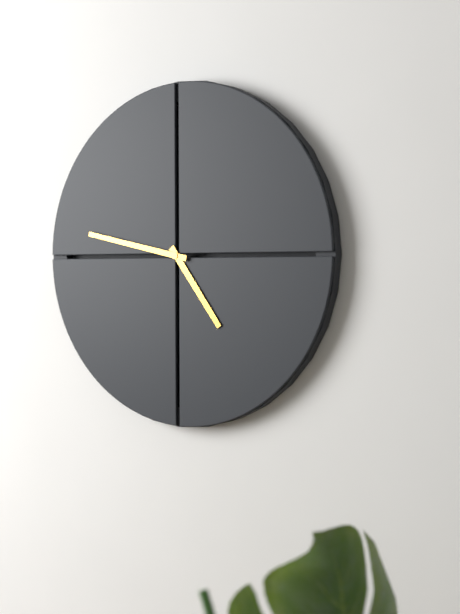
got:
**4:47**
